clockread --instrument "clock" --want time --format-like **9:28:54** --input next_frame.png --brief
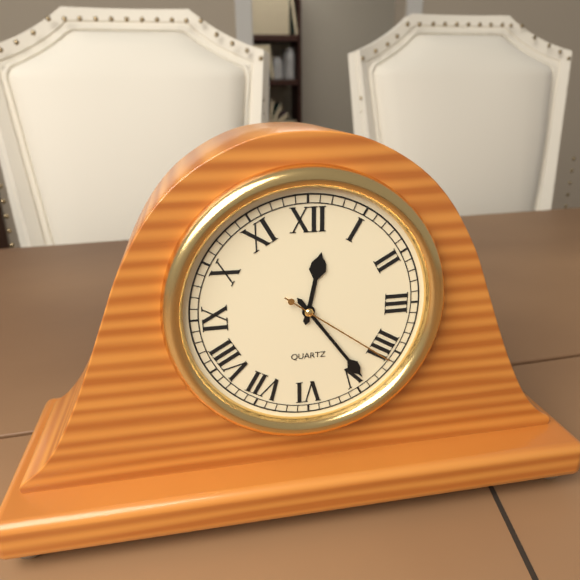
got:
**12:24:21**
